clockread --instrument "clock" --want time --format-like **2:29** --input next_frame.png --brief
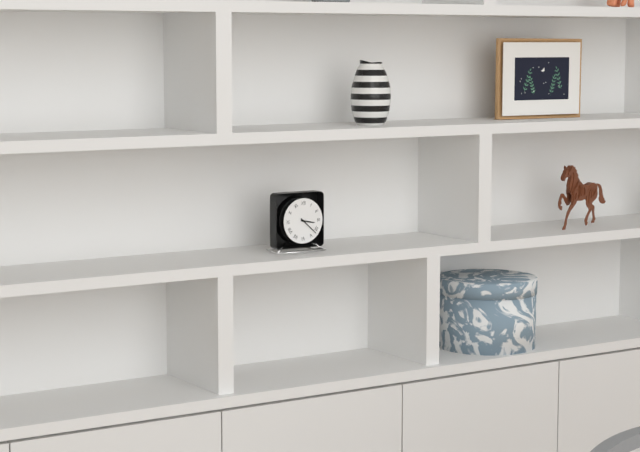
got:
**3:22**
